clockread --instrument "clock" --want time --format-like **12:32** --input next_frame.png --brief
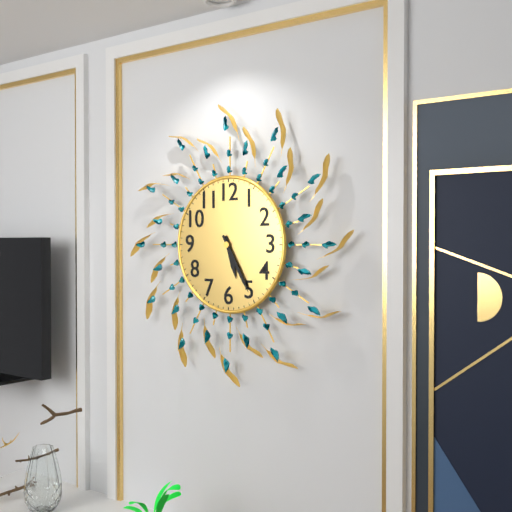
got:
**5:25**
